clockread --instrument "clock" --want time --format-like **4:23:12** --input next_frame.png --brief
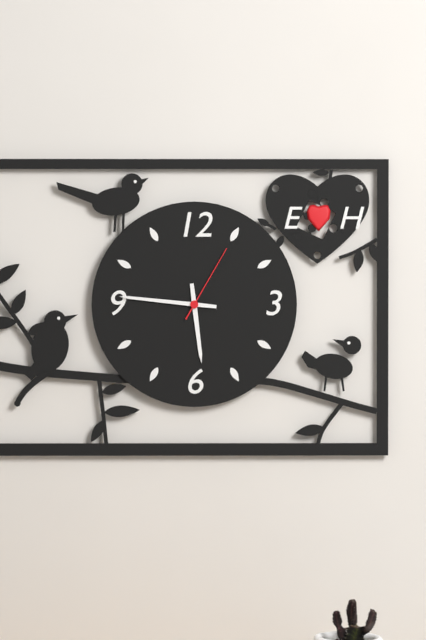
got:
**5:46:05**
